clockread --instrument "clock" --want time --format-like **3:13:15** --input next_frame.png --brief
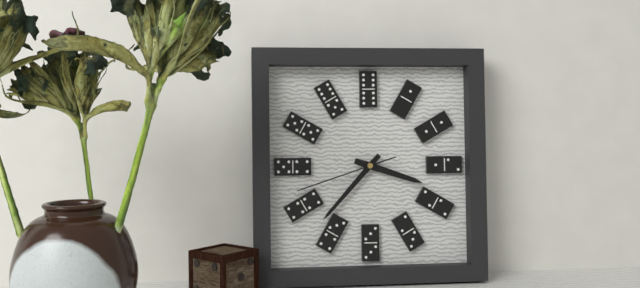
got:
**3:37:42**
